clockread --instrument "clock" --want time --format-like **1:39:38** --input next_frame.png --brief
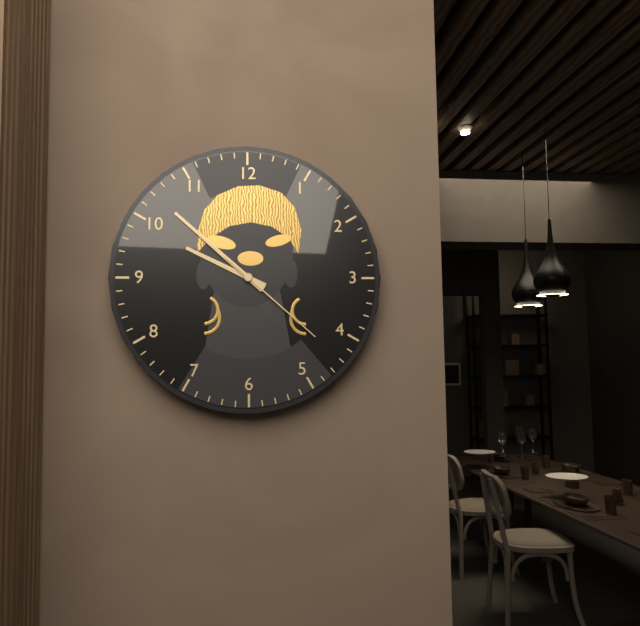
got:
**9:52:22**
